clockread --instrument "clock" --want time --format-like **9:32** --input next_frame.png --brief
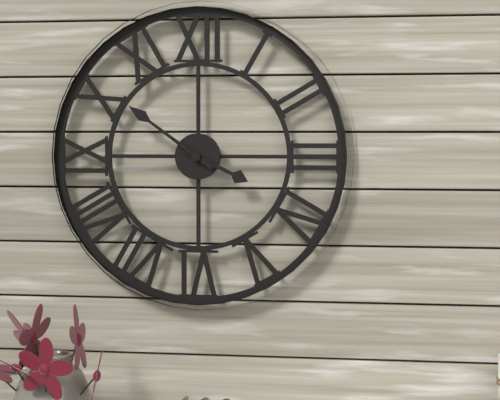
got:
**3:51**
